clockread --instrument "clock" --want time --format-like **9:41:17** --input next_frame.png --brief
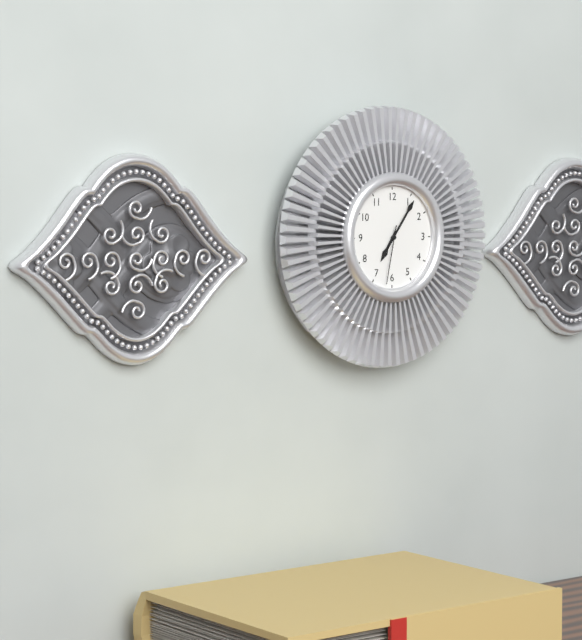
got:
**7:06:32**
